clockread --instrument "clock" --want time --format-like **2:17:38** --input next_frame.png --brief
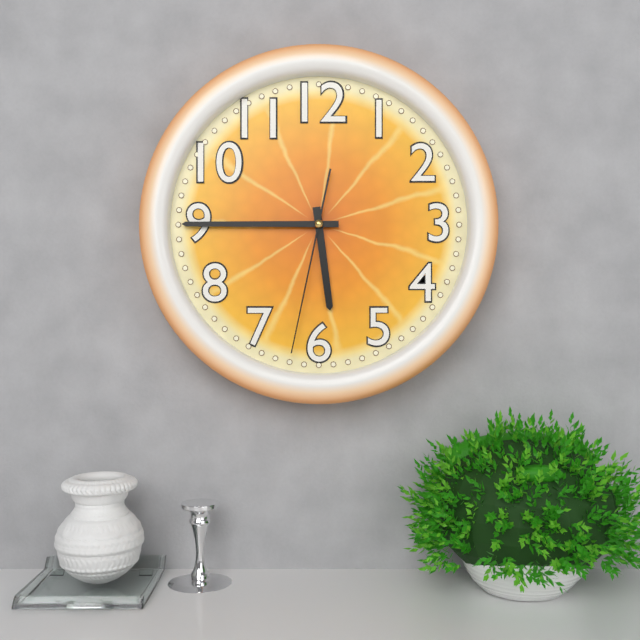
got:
**5:45:32**
